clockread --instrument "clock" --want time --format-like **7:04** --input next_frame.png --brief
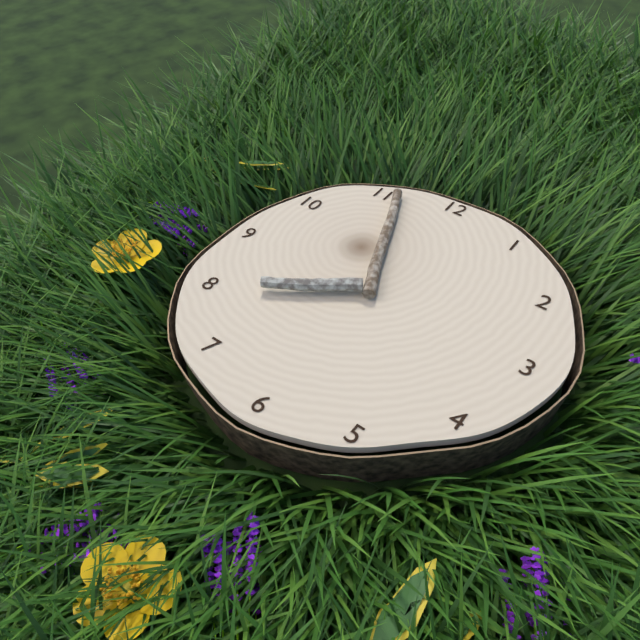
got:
**7:56**
